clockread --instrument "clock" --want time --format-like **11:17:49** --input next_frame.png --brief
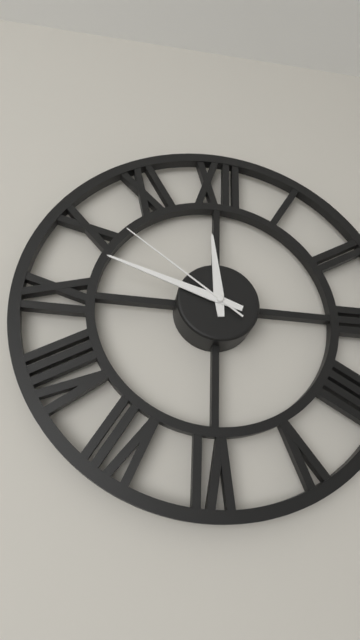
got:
**11:48:51**
